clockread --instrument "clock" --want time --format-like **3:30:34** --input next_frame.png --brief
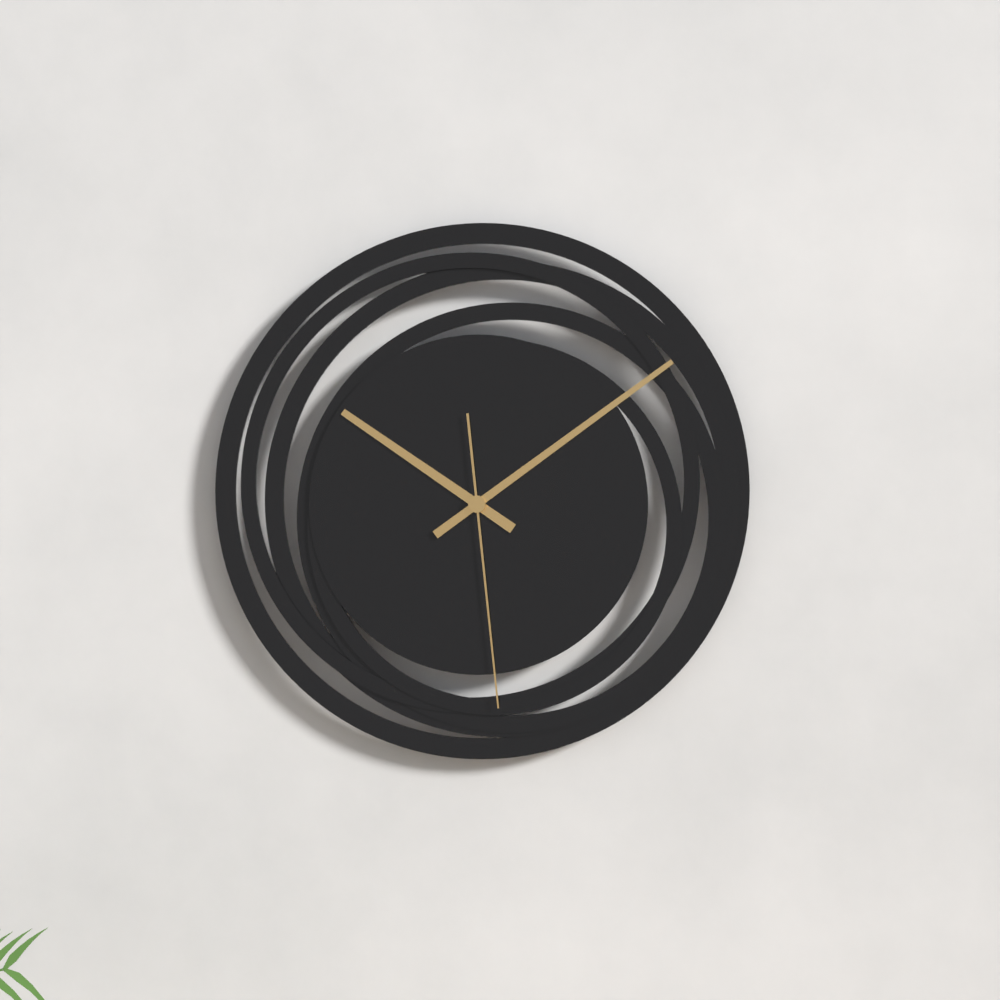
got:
**10:09:29**
